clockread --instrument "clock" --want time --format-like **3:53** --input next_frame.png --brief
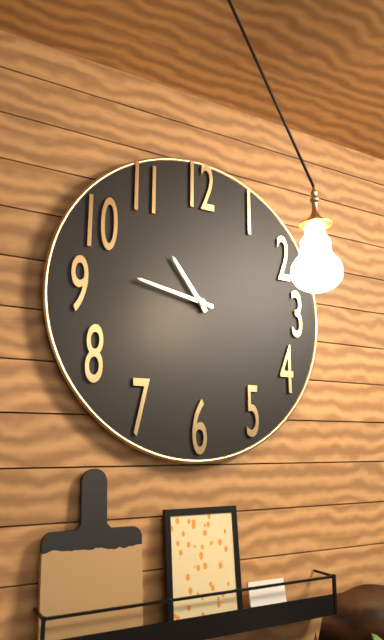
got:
**10:47**
